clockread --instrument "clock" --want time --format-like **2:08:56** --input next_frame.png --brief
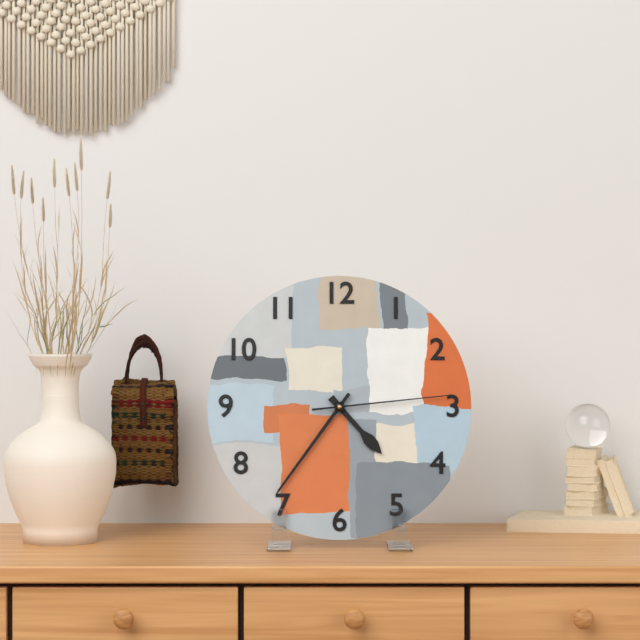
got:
**4:36:14**
